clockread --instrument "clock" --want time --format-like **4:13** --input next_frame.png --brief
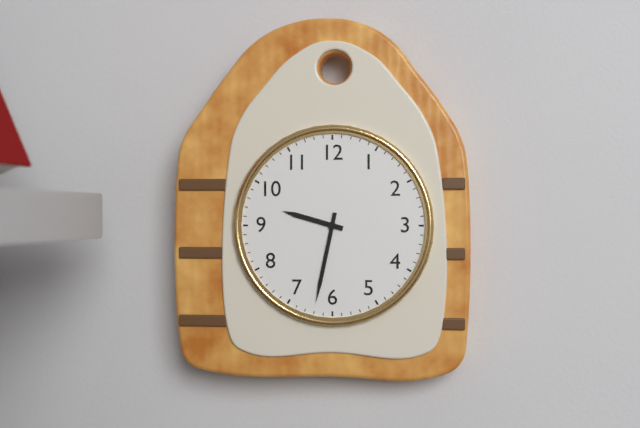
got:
**9:32**
